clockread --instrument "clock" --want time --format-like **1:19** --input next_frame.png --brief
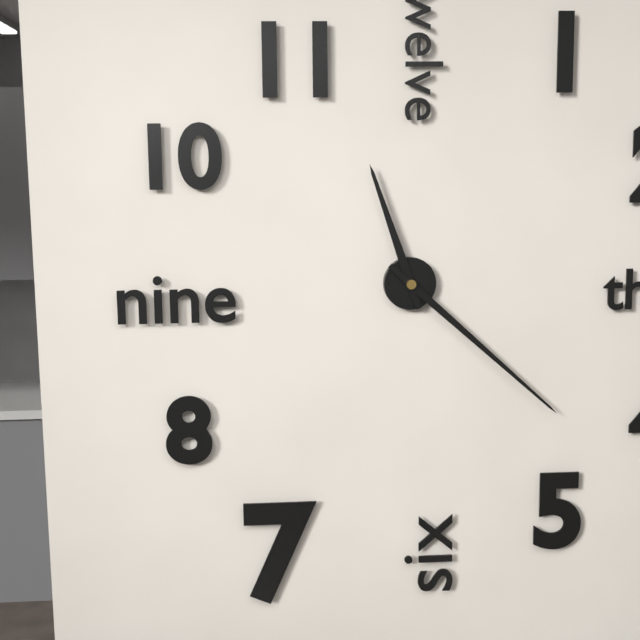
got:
**11:22**
